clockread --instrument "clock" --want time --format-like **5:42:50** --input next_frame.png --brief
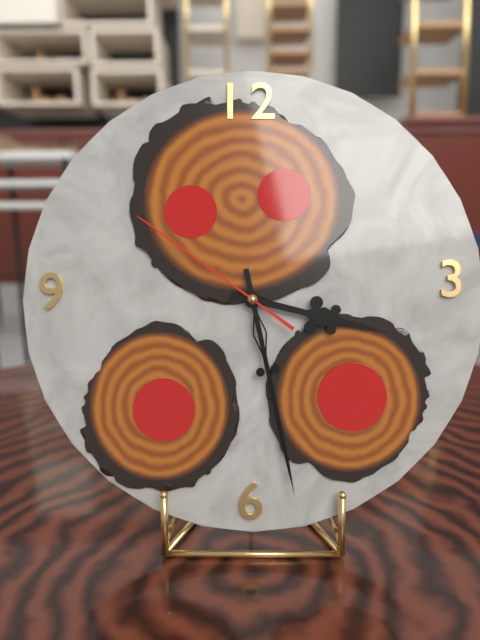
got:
**3:28:51**
